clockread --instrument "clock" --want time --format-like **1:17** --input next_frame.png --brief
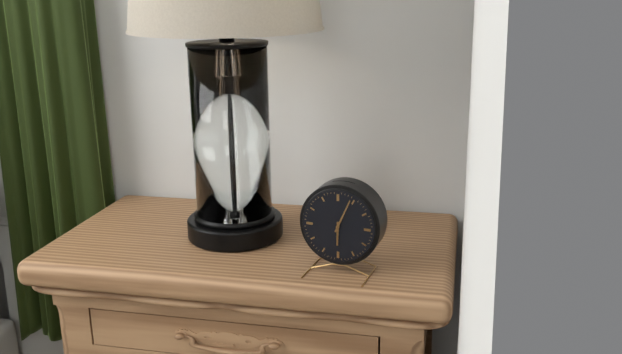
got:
**6:04**
